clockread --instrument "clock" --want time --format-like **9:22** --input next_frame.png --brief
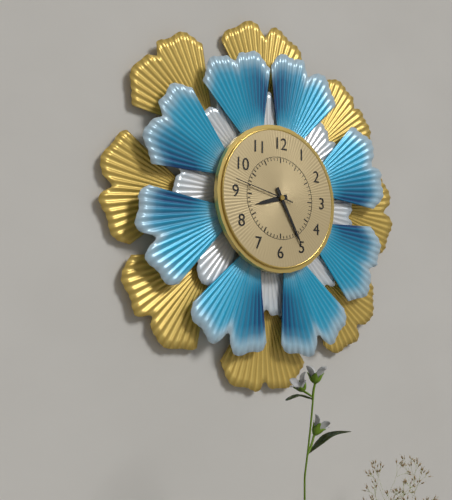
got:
**8:25**
